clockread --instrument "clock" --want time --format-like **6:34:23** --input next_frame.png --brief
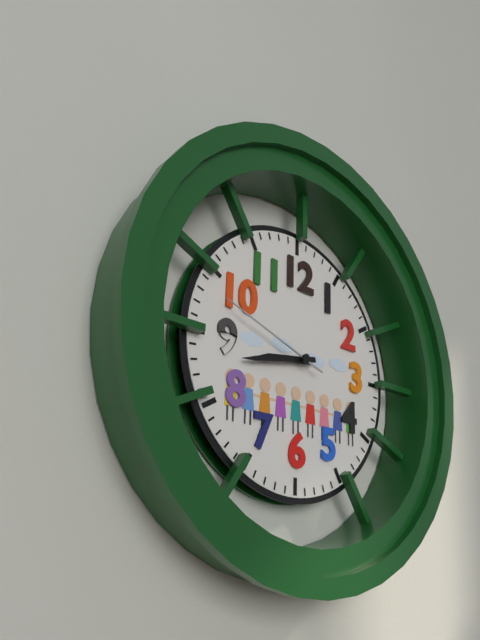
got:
**8:43:48**
